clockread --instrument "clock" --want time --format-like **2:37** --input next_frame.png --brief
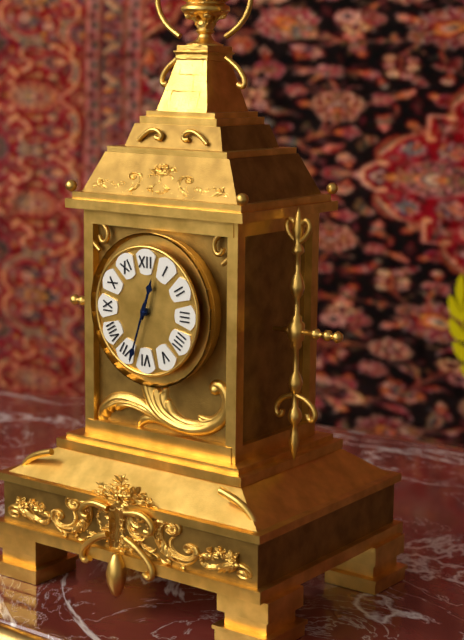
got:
**12:33**
